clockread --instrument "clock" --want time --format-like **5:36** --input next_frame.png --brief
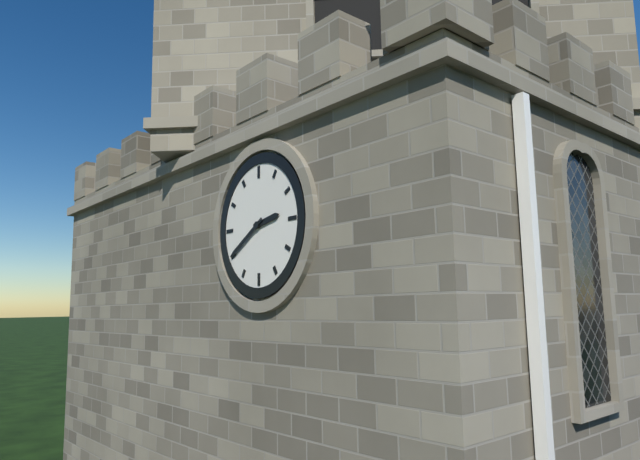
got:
**2:40**
